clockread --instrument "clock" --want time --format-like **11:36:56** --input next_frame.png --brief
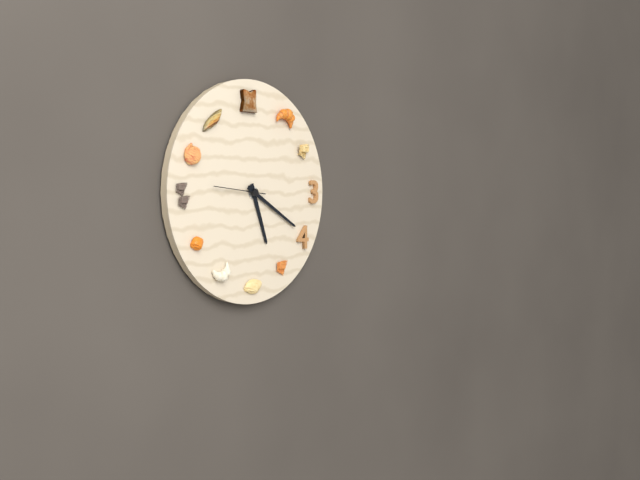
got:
**5:20:46**
